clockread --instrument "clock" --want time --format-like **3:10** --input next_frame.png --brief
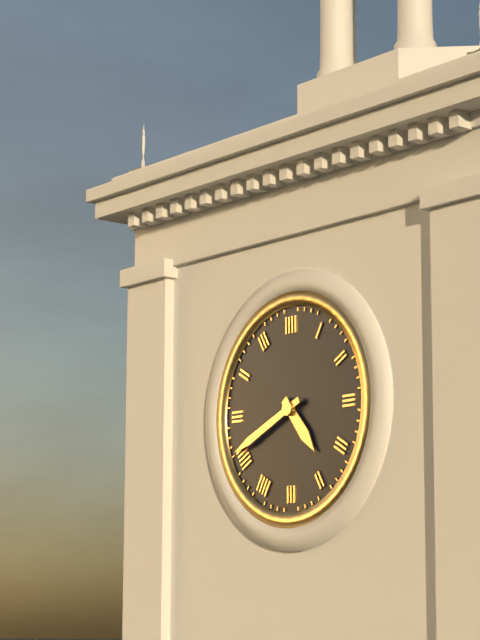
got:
**4:41**
